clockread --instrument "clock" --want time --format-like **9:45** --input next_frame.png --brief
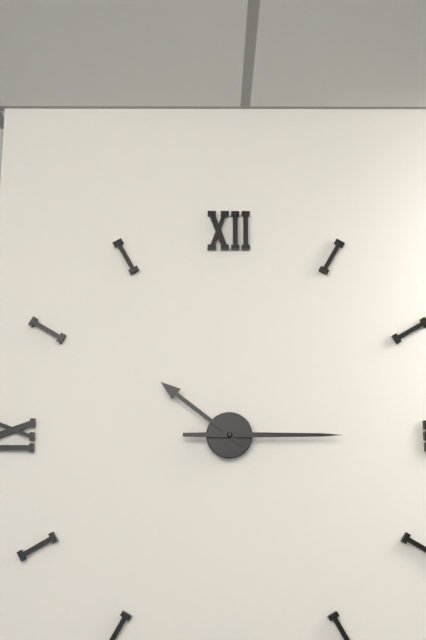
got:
**10:15**
